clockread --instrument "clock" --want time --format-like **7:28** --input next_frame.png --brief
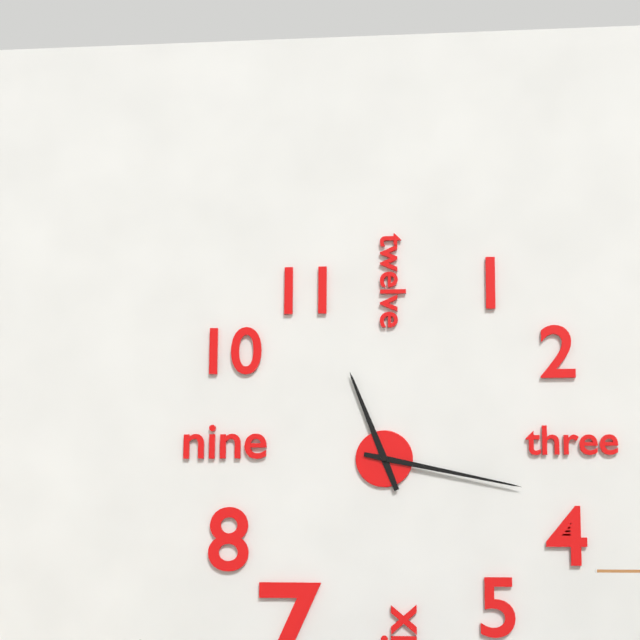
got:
**11:17**
